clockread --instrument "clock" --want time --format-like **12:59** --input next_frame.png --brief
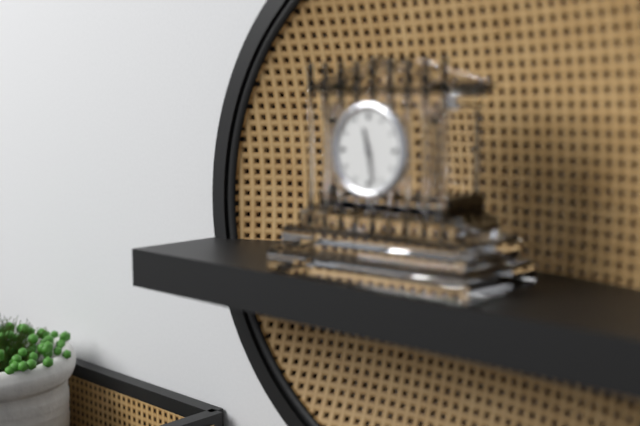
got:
**11:28**
